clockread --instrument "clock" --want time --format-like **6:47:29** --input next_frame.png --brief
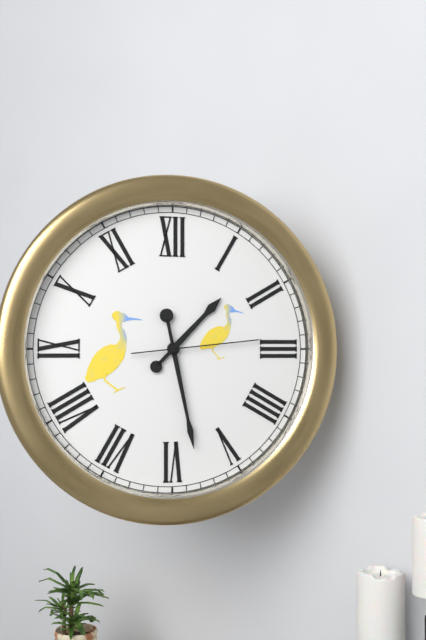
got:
**1:28:14**
